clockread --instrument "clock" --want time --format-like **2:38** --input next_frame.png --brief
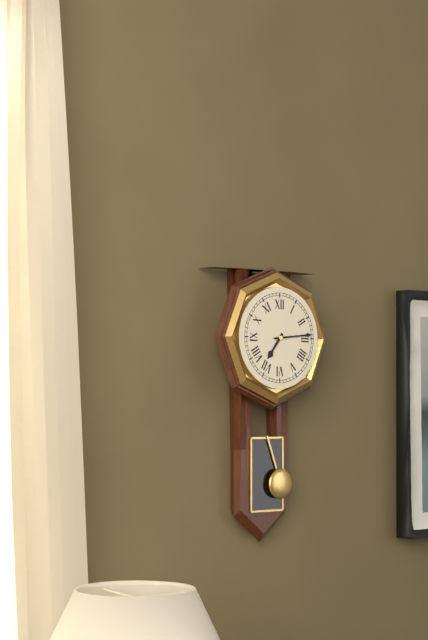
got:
**7:14**
